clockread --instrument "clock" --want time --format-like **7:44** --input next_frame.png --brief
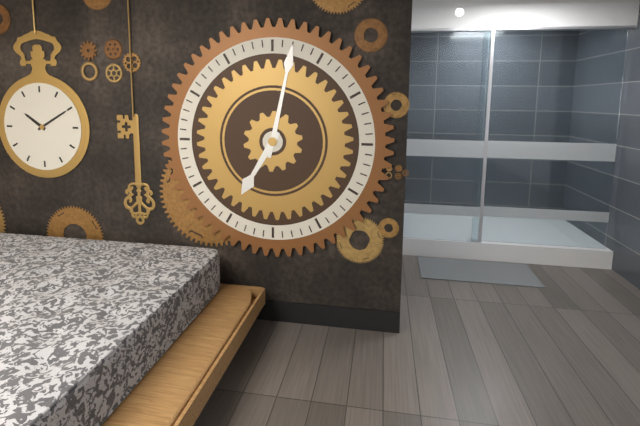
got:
**7:02**
